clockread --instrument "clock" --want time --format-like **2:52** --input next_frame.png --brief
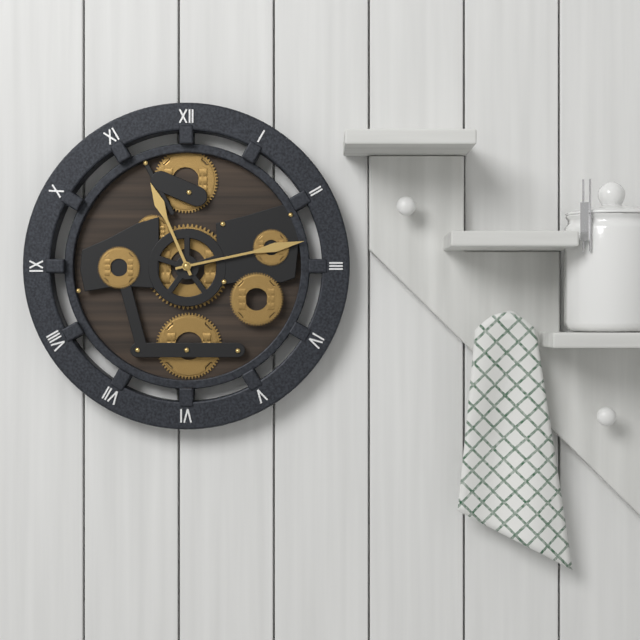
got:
**11:13**
